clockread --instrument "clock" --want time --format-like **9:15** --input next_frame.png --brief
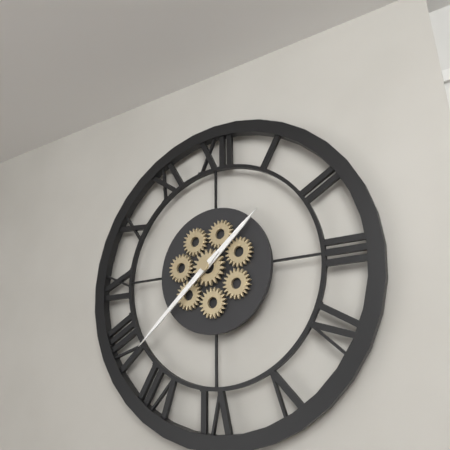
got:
**1:38**
